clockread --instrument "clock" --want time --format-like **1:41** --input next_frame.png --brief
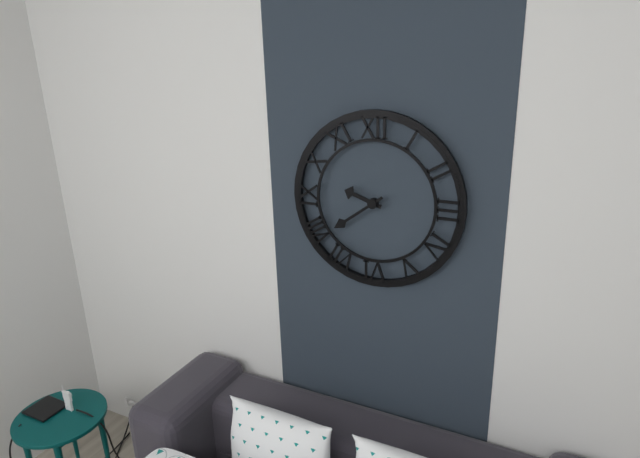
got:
**9:39**
